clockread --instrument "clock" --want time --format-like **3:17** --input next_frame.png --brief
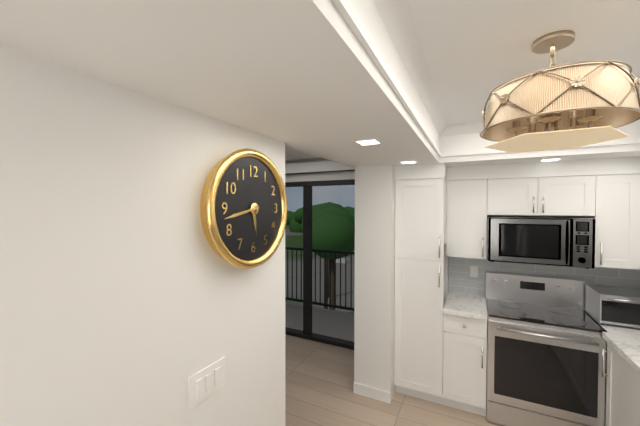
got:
**5:43**
